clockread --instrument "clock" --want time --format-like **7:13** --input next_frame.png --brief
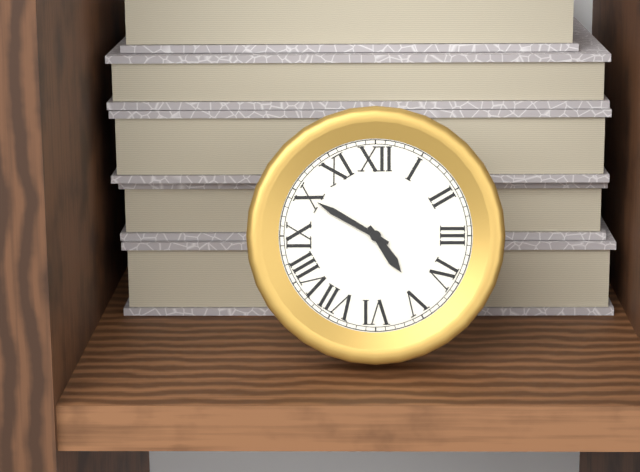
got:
**4:50**
